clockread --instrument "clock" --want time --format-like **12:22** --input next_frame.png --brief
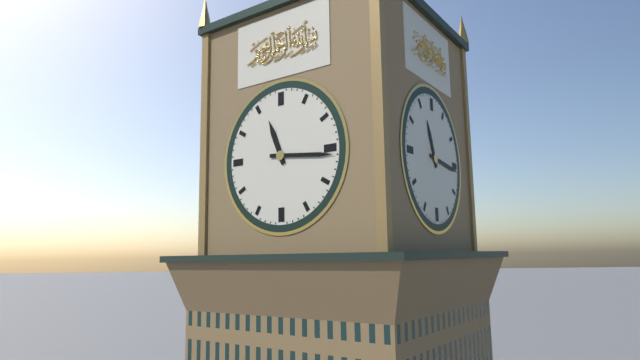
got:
**11:16**
